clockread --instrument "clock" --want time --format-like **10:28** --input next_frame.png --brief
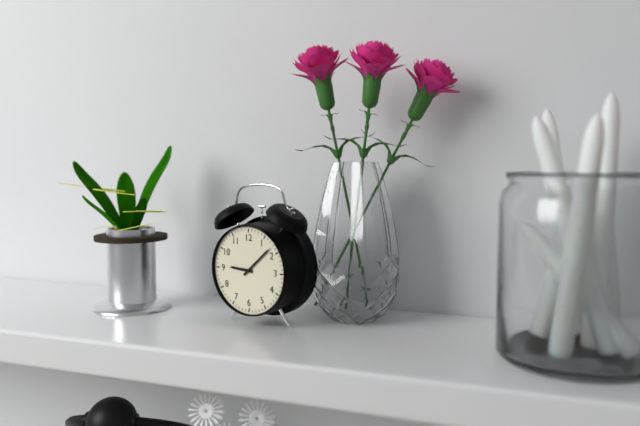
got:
**9:08**
